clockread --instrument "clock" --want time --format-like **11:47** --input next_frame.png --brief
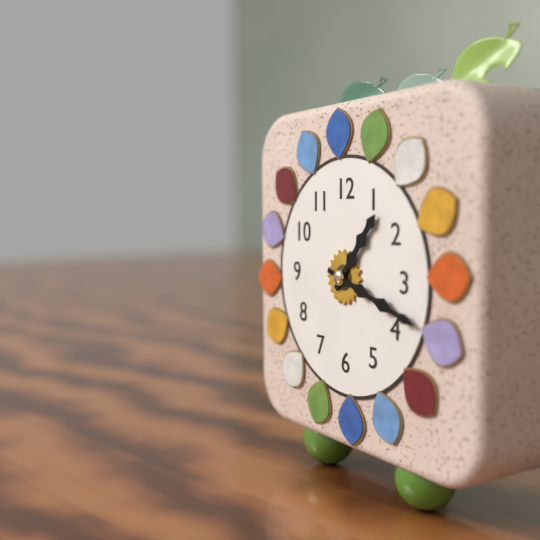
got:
**1:18**
